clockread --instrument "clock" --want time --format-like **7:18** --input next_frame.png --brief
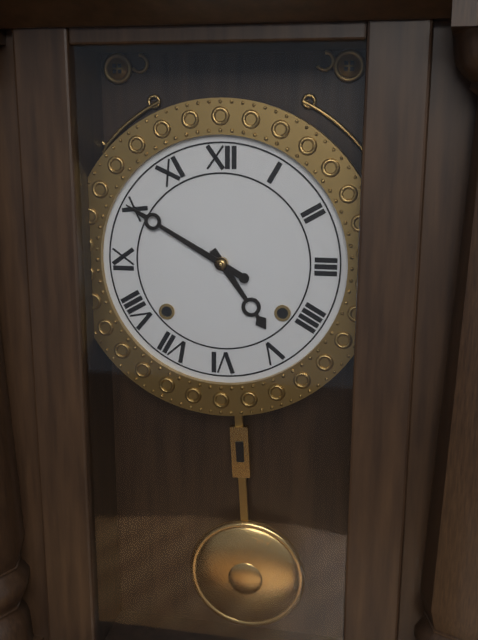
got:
**4:50**
